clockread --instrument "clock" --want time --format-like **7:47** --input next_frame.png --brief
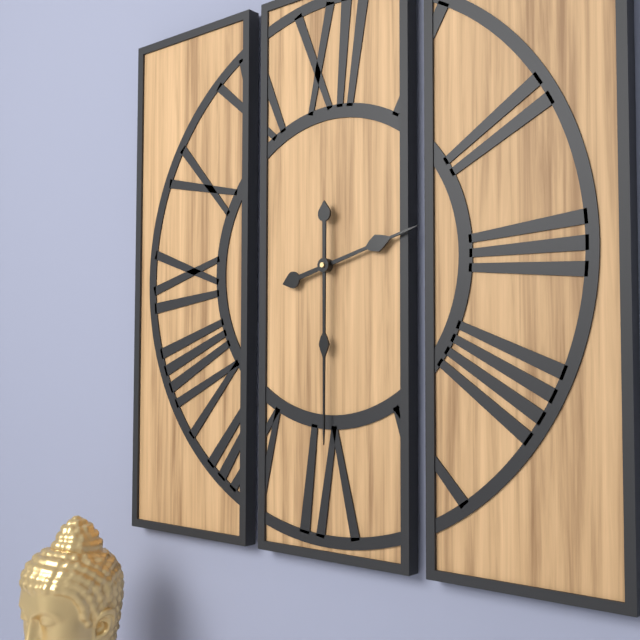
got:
**2:30**
